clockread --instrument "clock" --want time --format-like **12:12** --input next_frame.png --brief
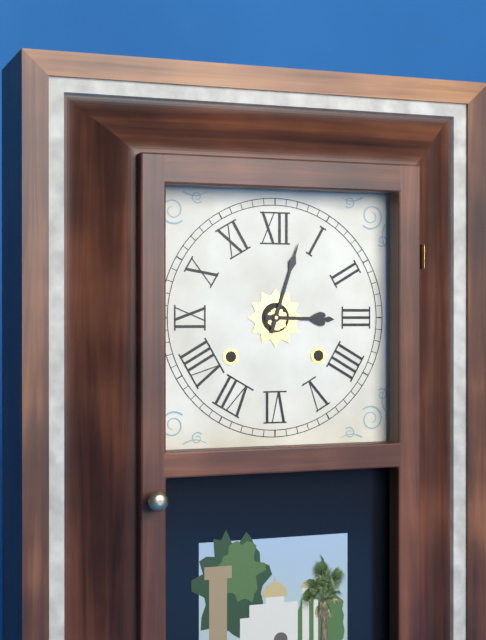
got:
**3:03**
